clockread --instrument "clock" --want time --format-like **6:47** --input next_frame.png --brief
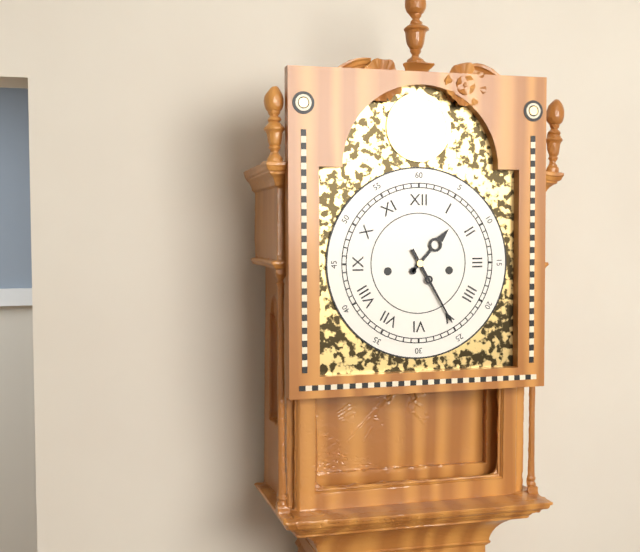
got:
**1:25**
